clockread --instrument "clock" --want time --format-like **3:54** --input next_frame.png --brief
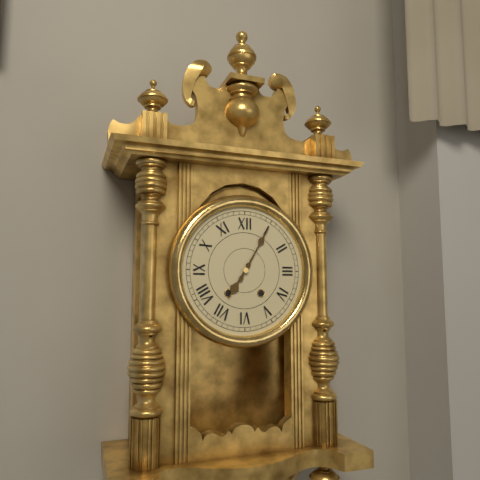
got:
**7:05**
